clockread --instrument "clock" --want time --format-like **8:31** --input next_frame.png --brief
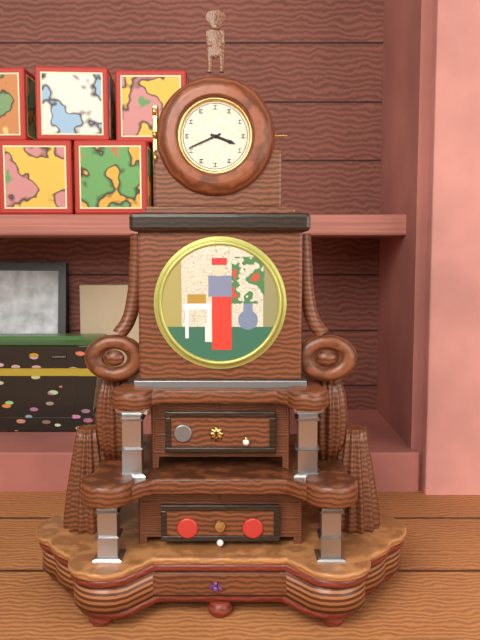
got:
**3:41**
